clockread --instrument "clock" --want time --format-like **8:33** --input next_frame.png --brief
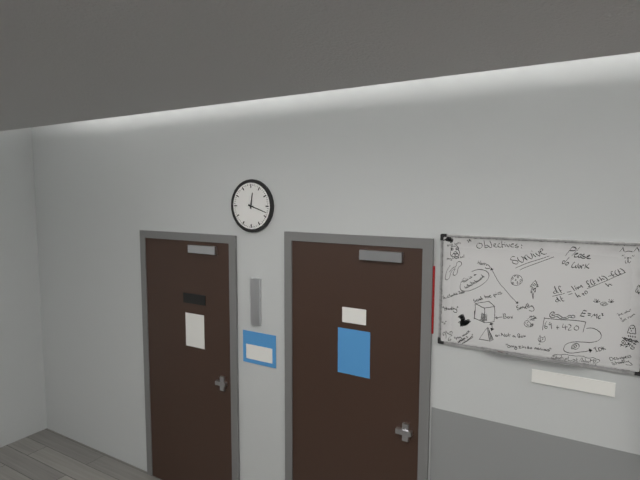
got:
**12:18**
